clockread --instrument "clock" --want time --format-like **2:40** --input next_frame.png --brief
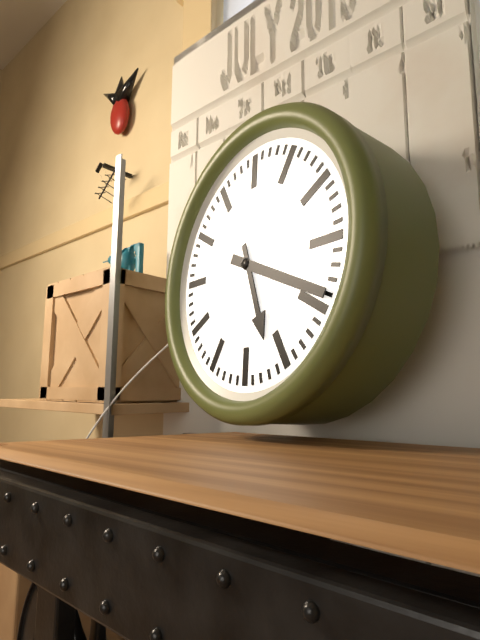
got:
**5:19**
